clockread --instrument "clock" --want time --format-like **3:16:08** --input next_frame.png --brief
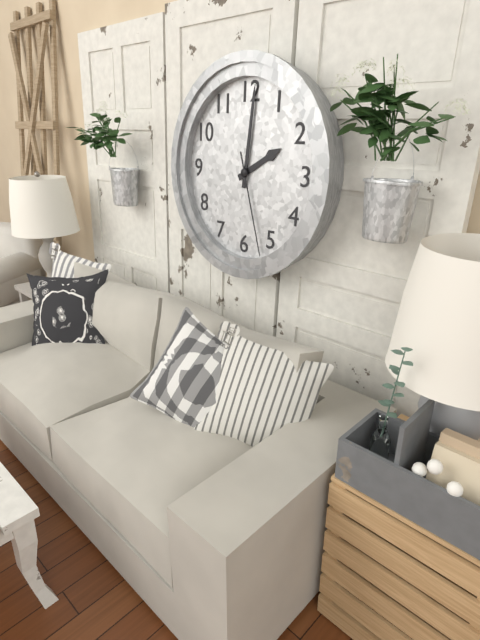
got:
**2:01:27**
